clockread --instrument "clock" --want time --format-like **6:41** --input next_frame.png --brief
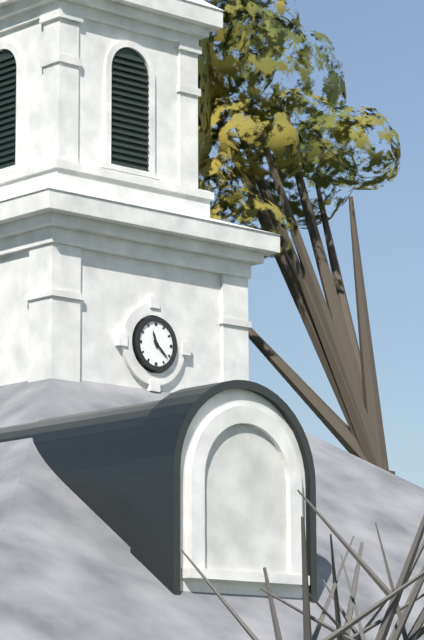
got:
**11:22**
